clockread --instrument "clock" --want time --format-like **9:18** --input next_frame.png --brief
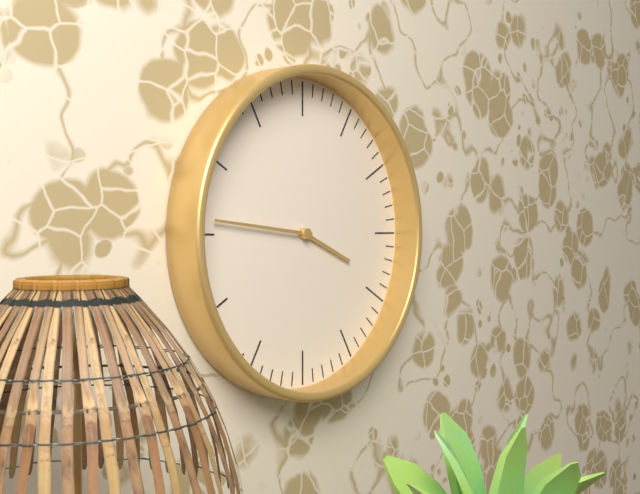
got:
**3:46**
